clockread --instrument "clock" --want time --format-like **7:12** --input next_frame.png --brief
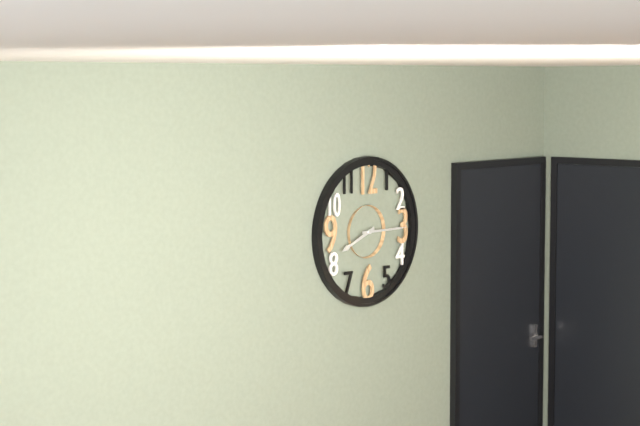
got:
**8:15**
